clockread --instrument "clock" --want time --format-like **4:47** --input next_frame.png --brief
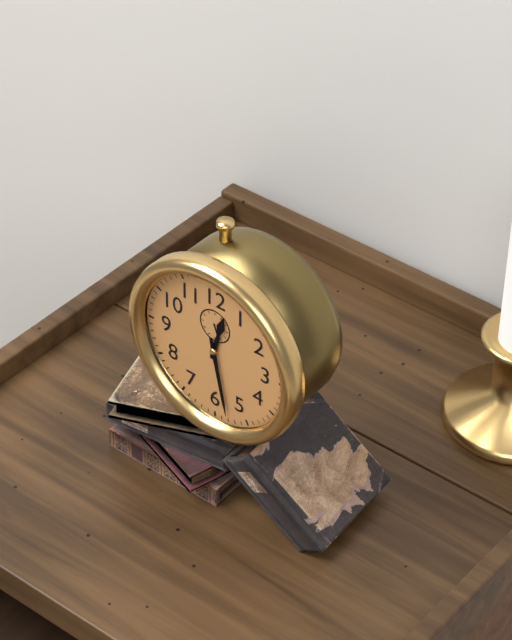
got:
**12:28**
